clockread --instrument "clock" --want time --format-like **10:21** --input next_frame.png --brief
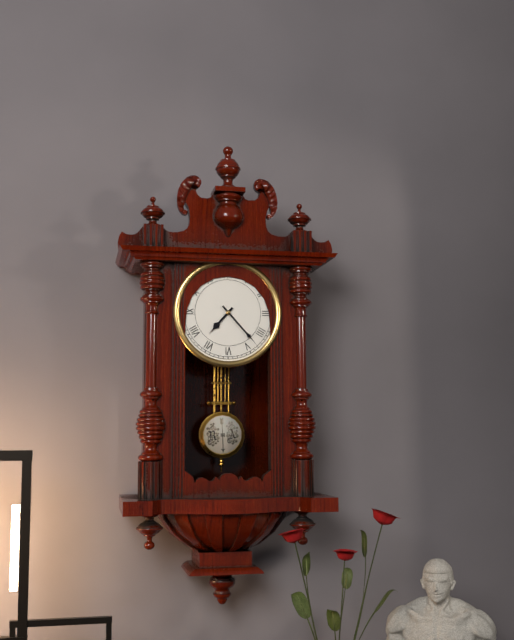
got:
**7:23**
